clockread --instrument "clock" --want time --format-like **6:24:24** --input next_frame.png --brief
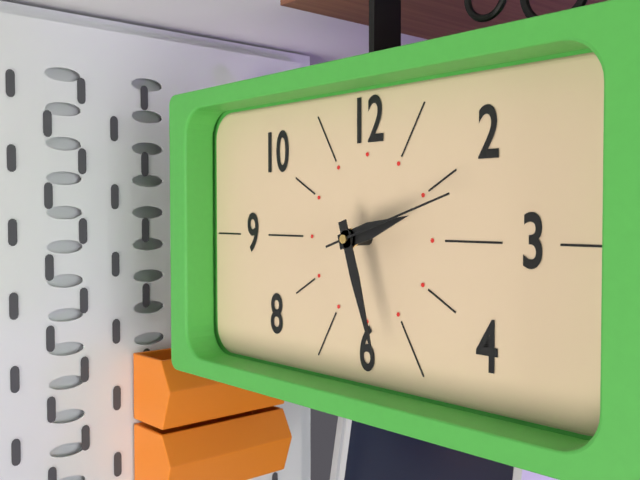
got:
**2:27:12**
